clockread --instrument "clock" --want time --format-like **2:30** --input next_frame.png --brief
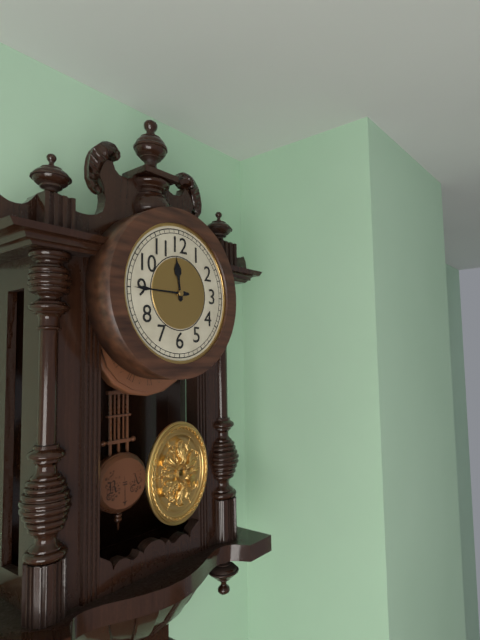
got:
**11:45**
